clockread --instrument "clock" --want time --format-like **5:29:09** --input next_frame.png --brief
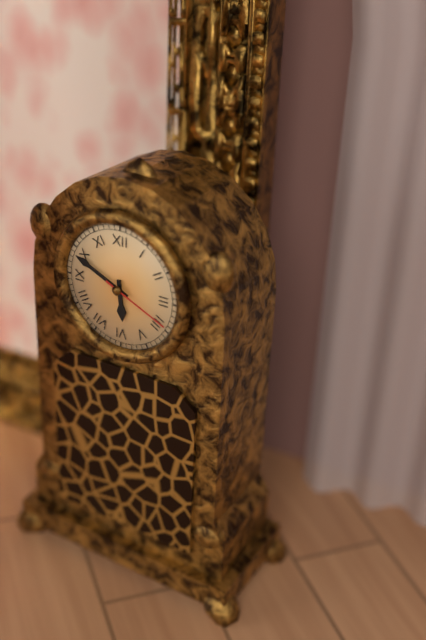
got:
**5:49:19**
